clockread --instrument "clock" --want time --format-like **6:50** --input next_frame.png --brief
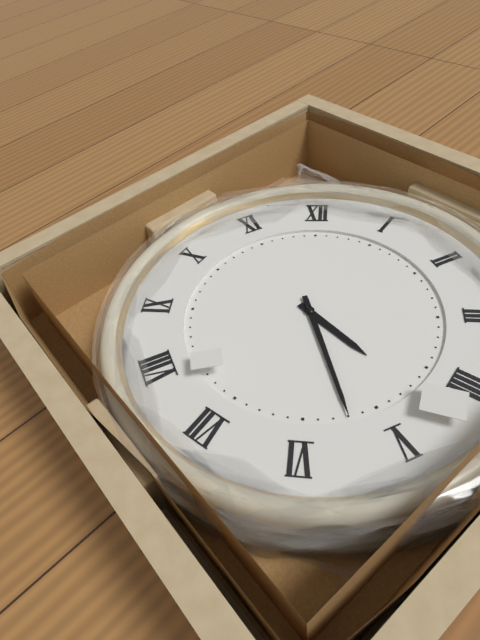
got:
**4:27**
